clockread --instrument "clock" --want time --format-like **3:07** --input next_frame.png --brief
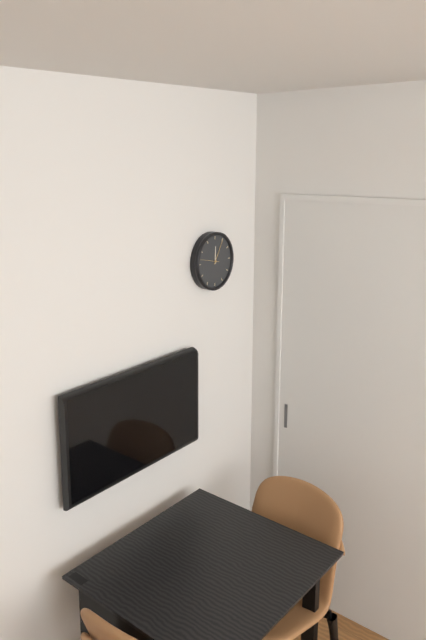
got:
**12:05**
